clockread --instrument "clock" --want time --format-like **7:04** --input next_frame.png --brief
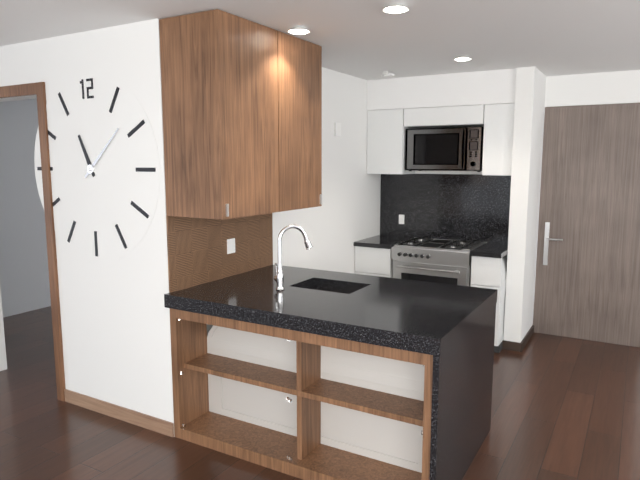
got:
**11:08**
